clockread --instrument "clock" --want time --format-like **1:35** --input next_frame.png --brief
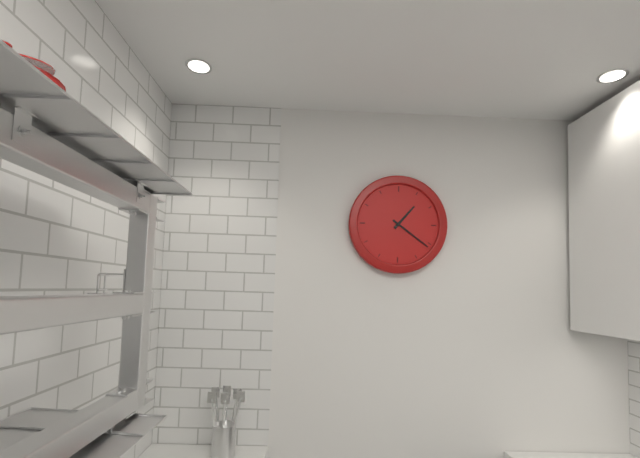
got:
**1:21**
